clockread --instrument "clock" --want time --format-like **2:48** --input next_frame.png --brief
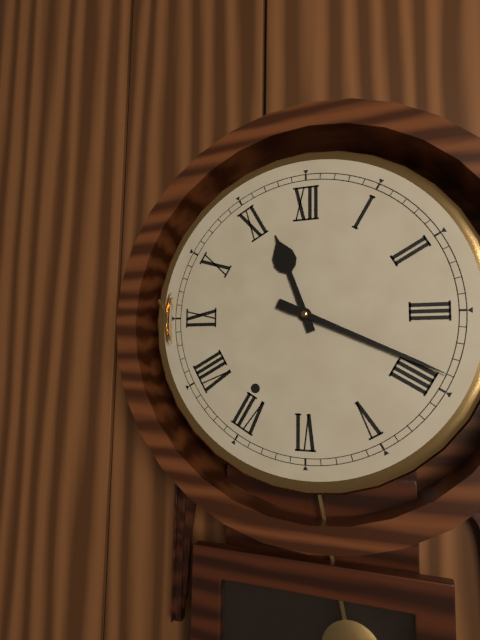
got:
**11:19**
